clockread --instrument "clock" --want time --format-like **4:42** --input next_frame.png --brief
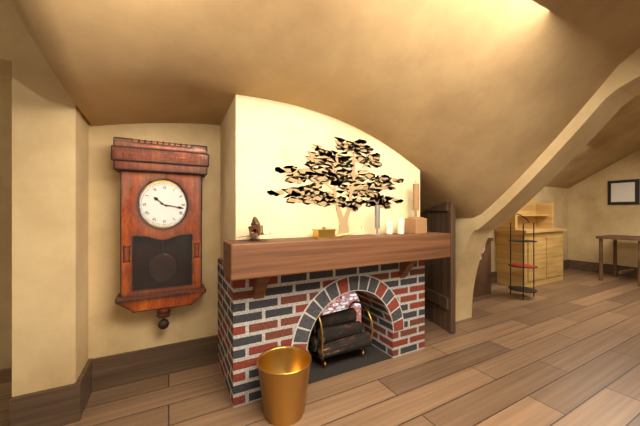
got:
**10:17**
